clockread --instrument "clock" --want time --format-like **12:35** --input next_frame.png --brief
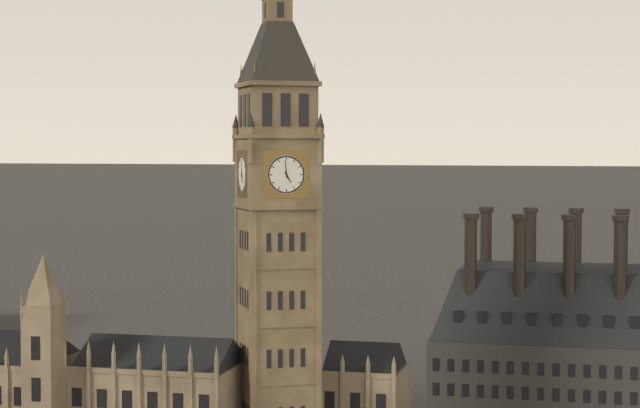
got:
**4:59**
